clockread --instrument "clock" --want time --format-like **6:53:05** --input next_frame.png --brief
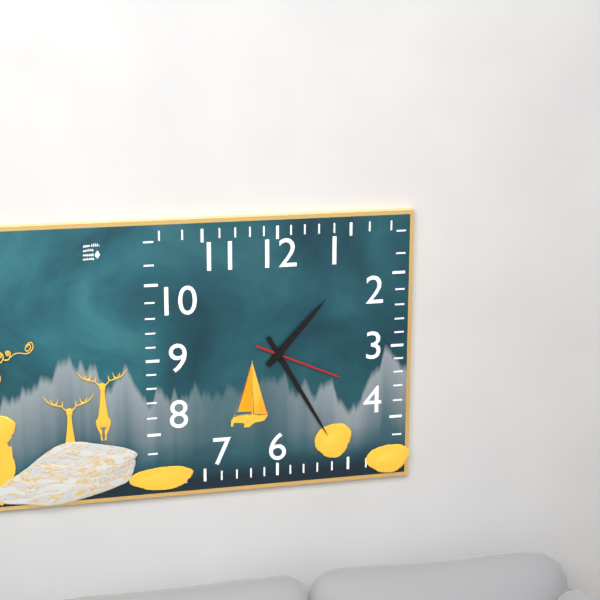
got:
**1:25:19**
